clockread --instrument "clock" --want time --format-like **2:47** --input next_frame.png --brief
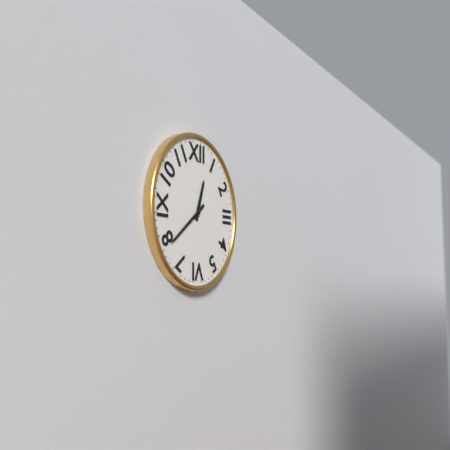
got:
**12:39**
